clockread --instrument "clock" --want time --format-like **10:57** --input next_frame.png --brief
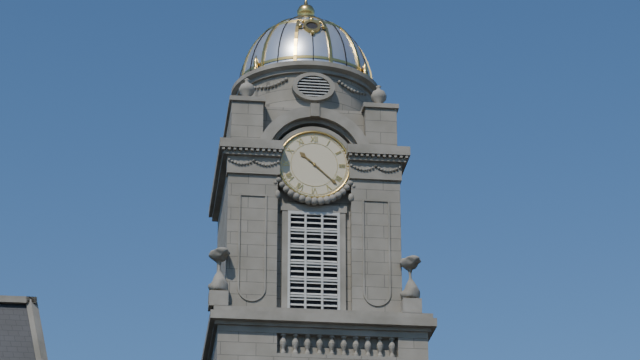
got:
**10:22**
